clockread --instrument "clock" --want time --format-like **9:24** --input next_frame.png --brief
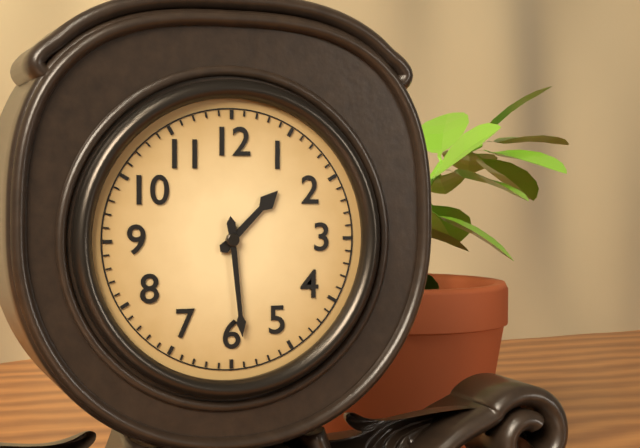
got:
**1:29**
